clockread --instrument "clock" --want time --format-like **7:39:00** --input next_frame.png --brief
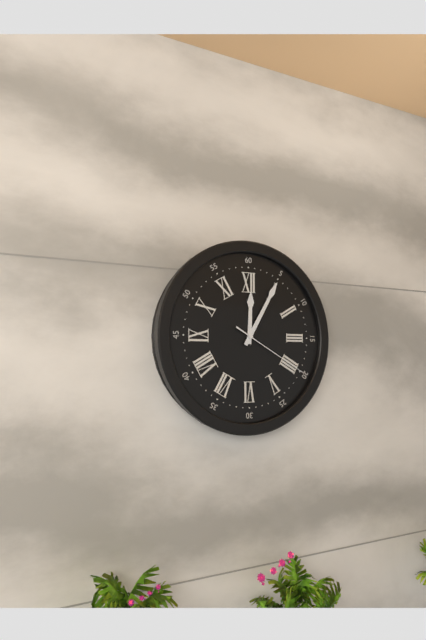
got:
**12:05:20**
